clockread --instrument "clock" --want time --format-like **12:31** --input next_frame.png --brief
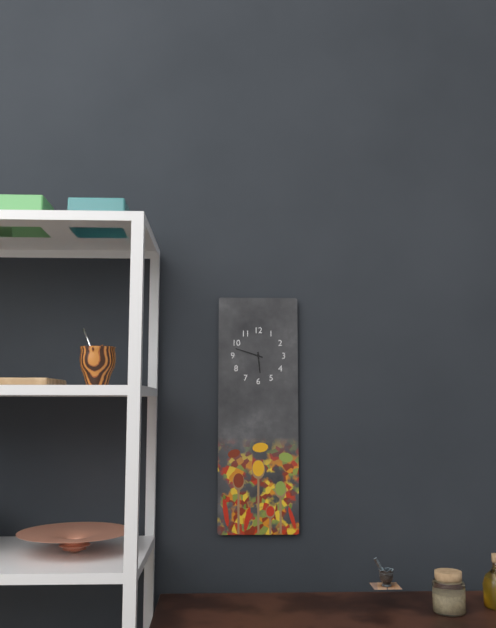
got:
**5:48**
